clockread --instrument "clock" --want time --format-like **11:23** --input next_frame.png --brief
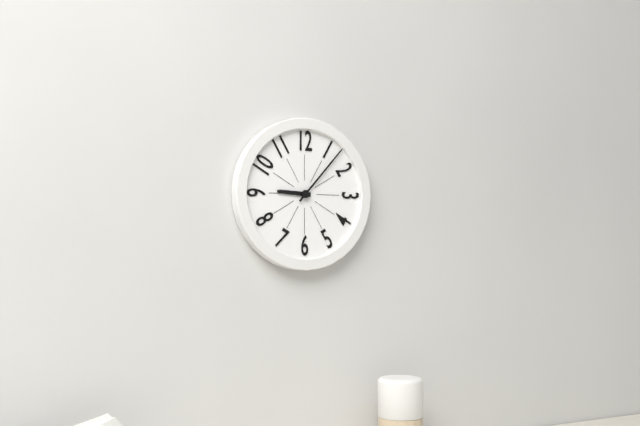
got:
**9:07**
